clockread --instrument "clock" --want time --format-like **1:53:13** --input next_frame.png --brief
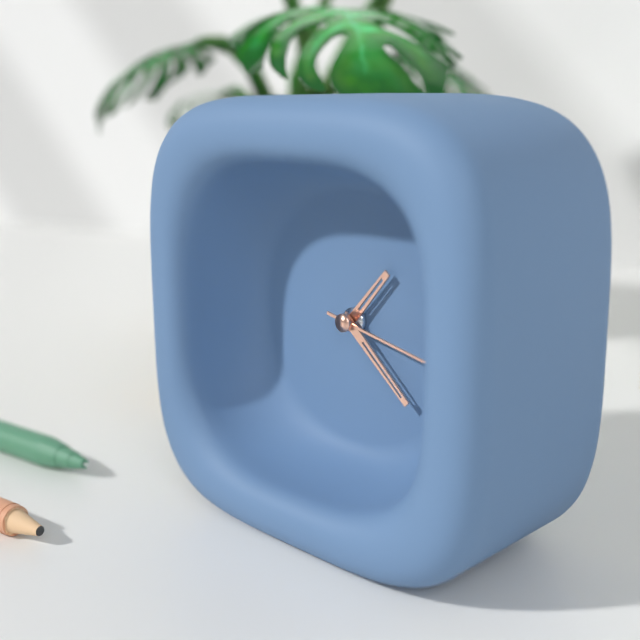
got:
**1:22:17**
